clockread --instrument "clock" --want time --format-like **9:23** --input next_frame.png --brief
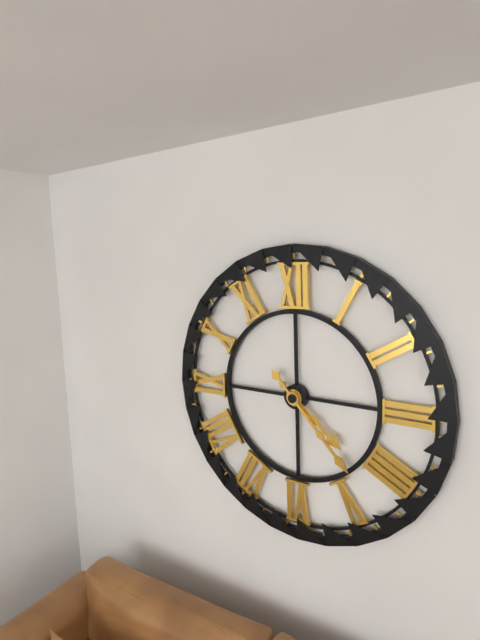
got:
**4:23**
